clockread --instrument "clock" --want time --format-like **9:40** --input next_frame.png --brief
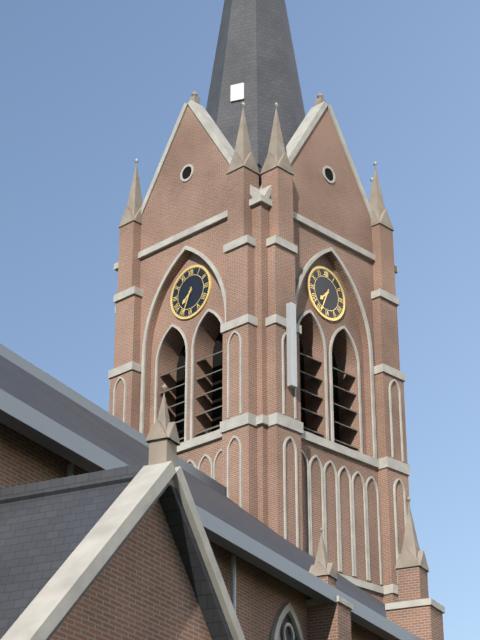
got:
**7:34**
